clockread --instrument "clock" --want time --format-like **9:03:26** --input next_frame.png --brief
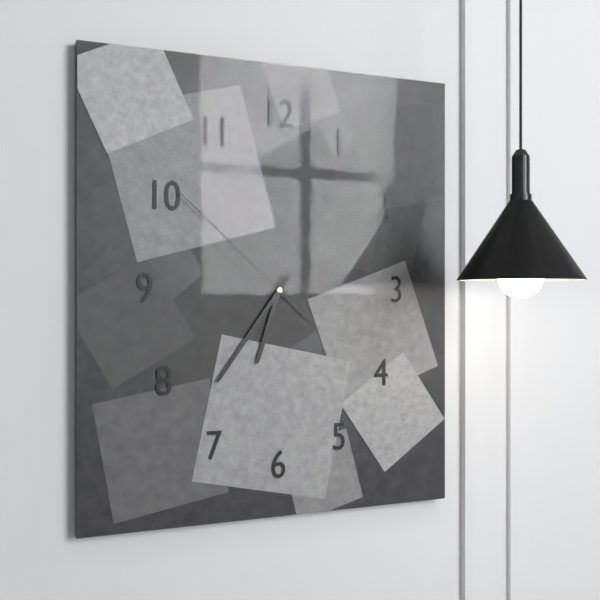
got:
**6:36:52**
